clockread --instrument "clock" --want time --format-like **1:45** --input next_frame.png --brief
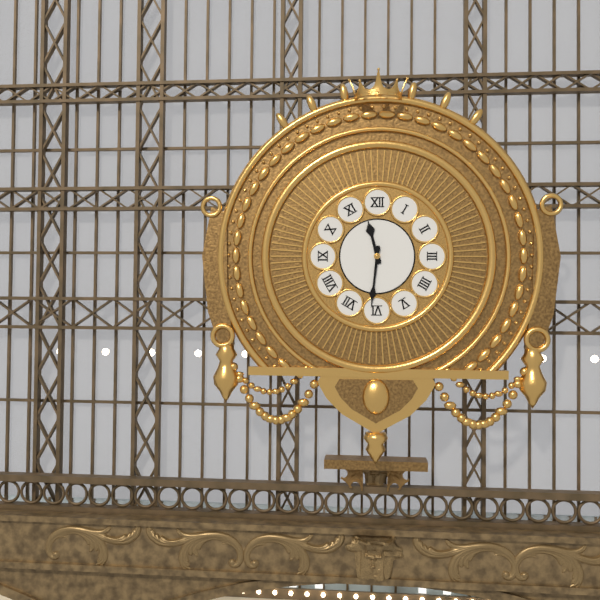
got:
**11:31**
